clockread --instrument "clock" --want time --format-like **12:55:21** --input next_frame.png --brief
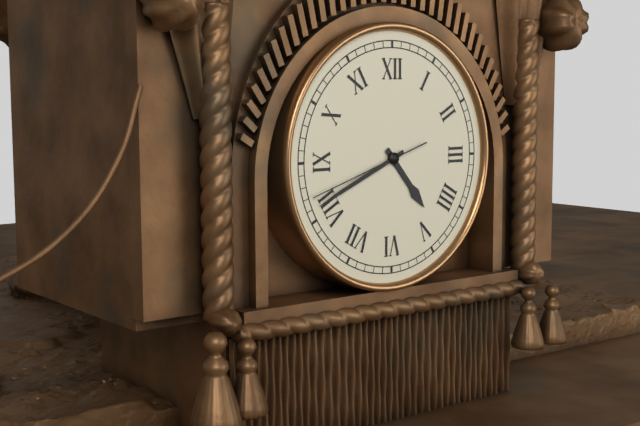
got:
**4:41:42**
